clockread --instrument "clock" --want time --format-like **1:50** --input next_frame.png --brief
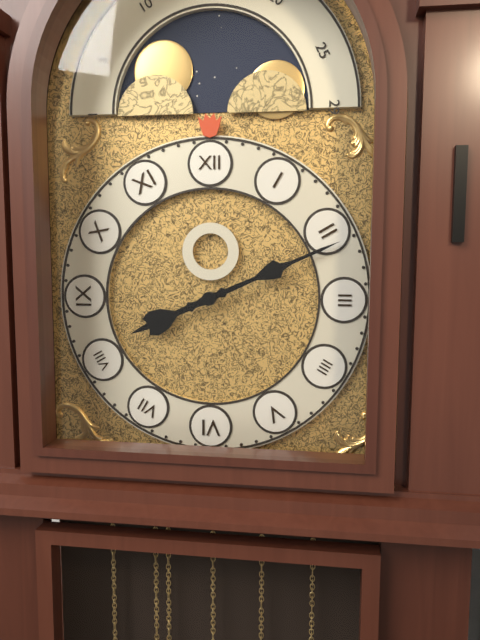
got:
**8:11**
